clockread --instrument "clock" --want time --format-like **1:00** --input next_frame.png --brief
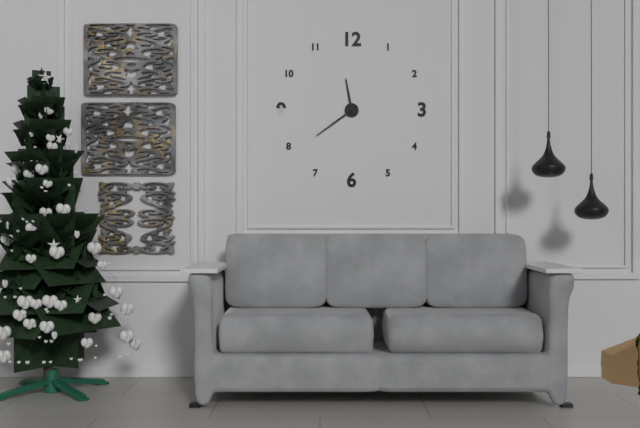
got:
**11:39**
